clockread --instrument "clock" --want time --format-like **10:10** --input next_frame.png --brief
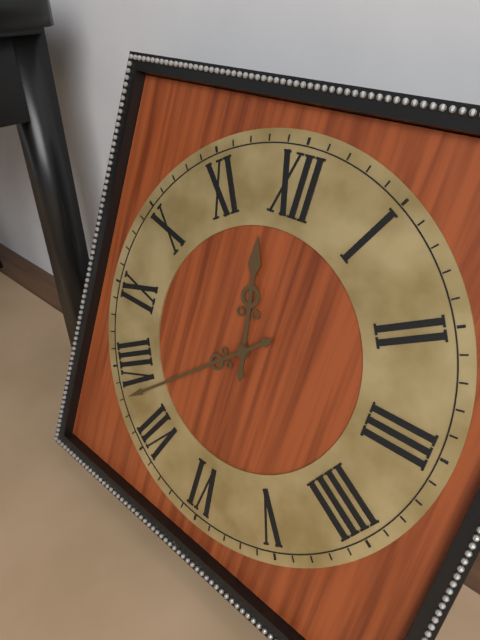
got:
**11:38**
